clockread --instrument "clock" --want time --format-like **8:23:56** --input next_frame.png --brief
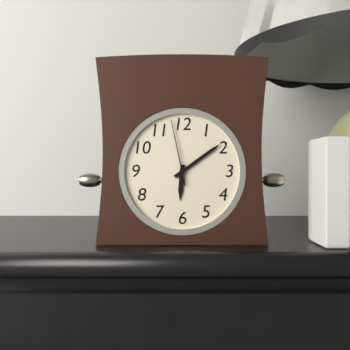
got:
**6:09:58**
